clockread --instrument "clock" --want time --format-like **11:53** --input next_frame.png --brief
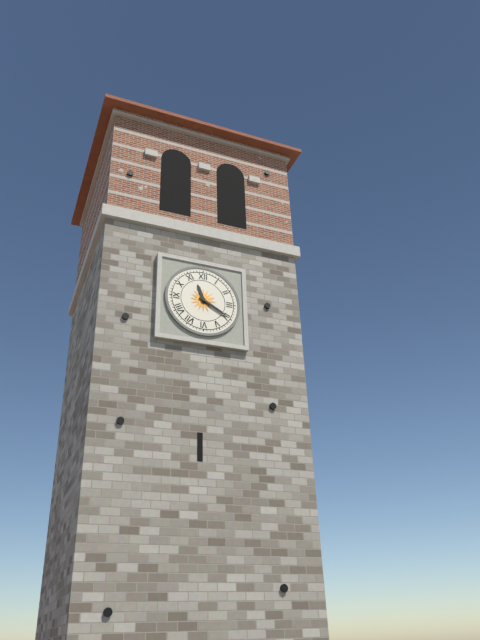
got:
**11:20**
